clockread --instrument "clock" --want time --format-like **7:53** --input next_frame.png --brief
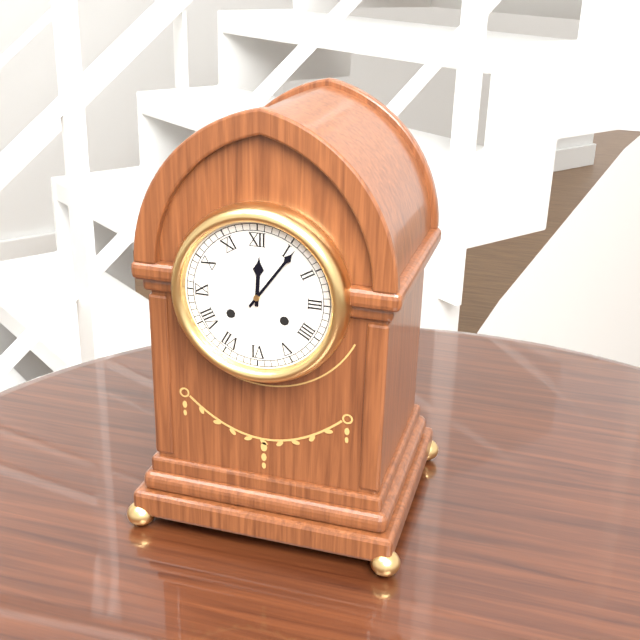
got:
**12:06**
